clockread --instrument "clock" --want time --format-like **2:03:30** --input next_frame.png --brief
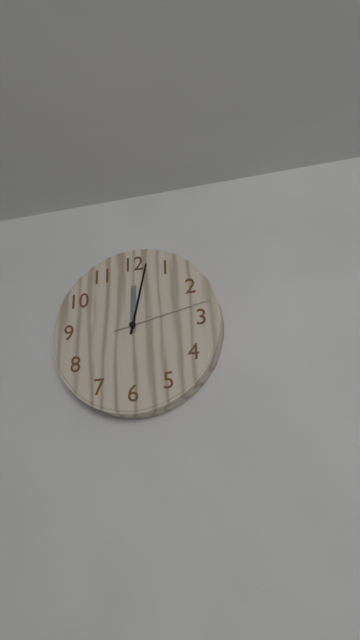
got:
**12:02:13**
